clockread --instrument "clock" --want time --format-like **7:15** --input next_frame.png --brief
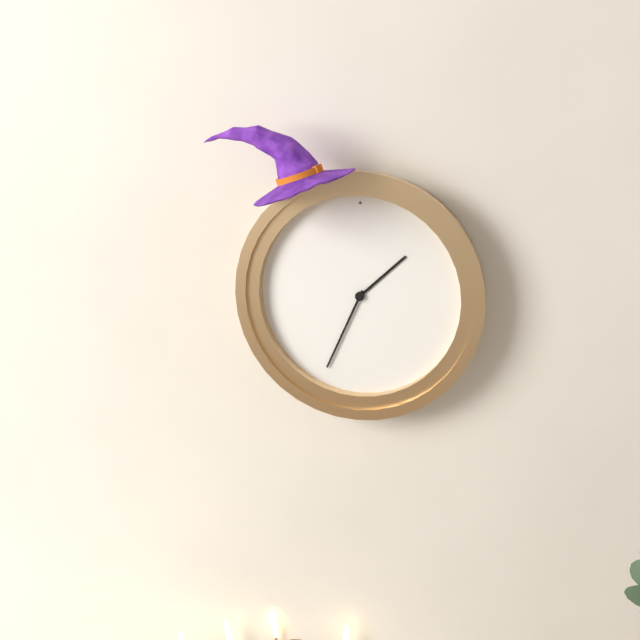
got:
**1:34**
